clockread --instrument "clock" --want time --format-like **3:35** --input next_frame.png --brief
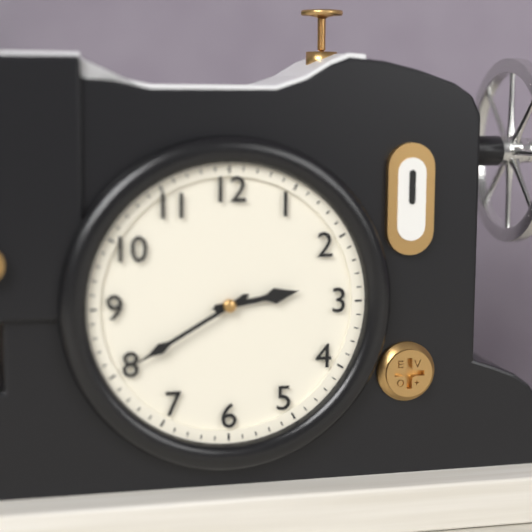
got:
**2:40**
